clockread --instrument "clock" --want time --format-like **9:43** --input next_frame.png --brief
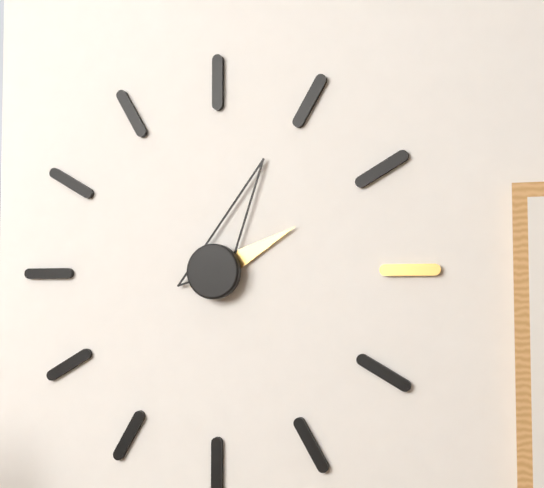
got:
**2:04**
